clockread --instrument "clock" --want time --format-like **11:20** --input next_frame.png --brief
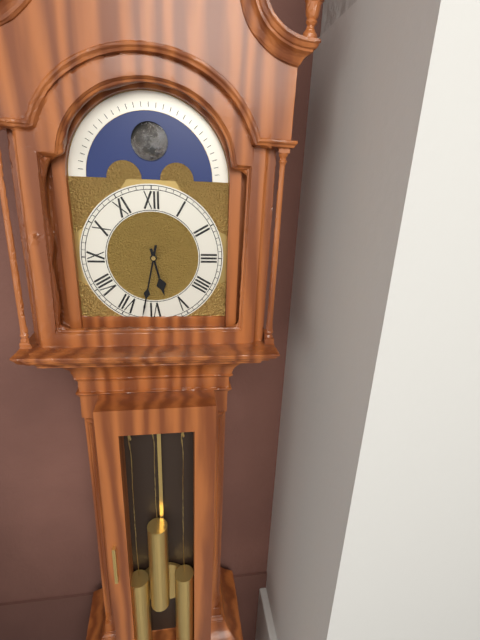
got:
**5:32**
